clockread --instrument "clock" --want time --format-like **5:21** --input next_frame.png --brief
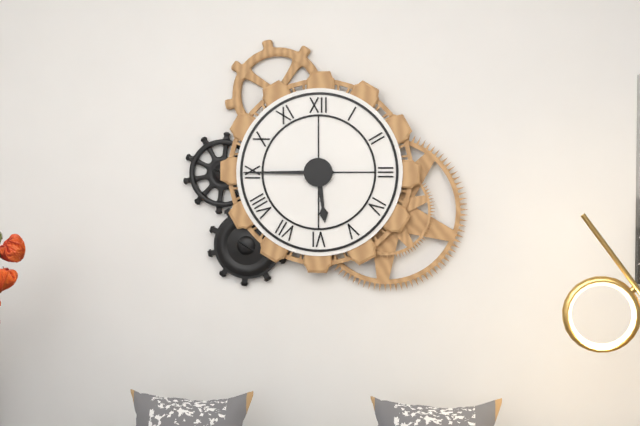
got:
**5:45**
